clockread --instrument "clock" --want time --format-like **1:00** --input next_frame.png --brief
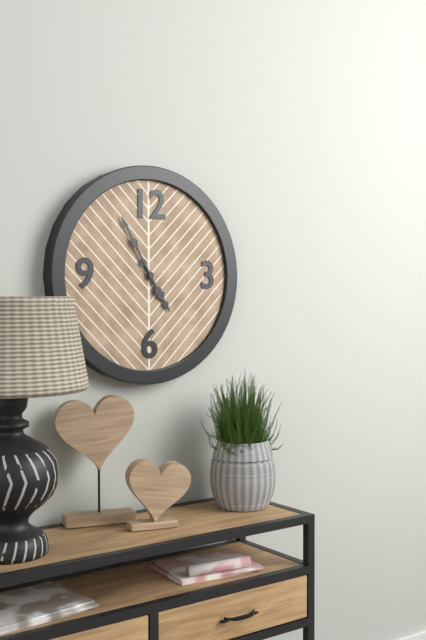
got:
**4:55**
